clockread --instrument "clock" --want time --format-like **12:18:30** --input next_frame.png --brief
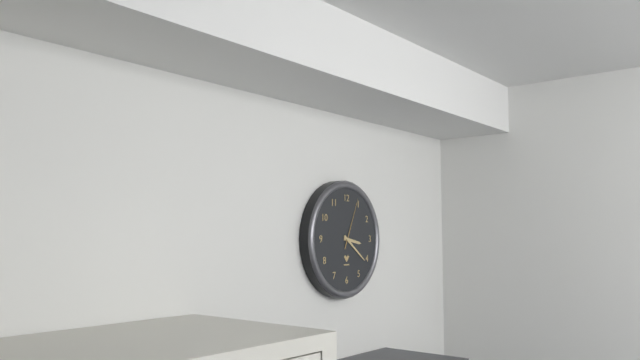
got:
**3:21:04**
